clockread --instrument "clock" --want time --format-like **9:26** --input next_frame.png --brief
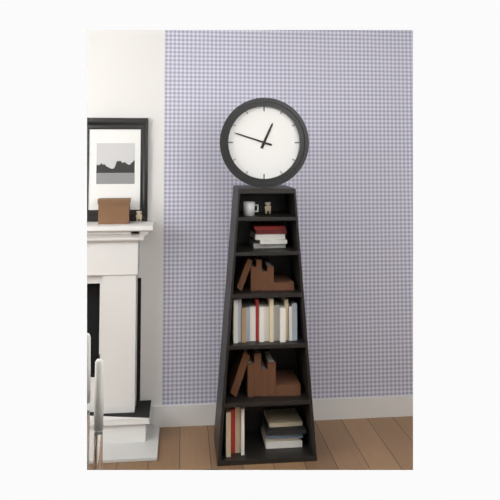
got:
**12:48**
